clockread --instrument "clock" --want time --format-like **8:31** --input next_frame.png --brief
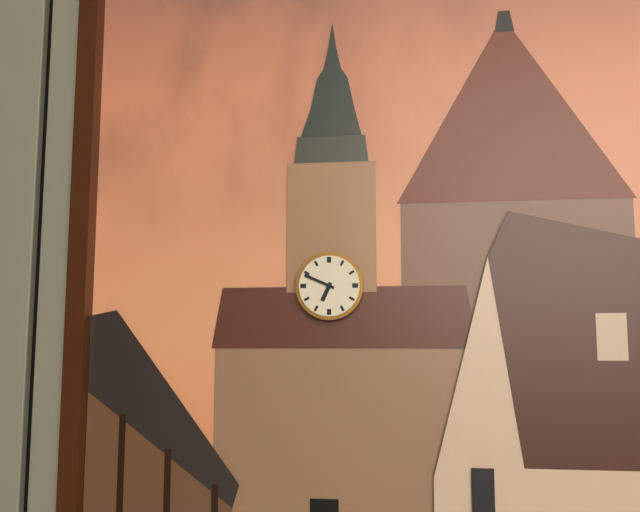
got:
**6:49**
